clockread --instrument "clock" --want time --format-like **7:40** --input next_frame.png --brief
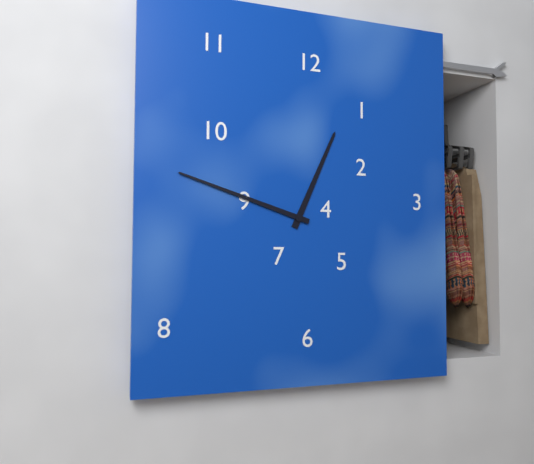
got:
**12:48**
